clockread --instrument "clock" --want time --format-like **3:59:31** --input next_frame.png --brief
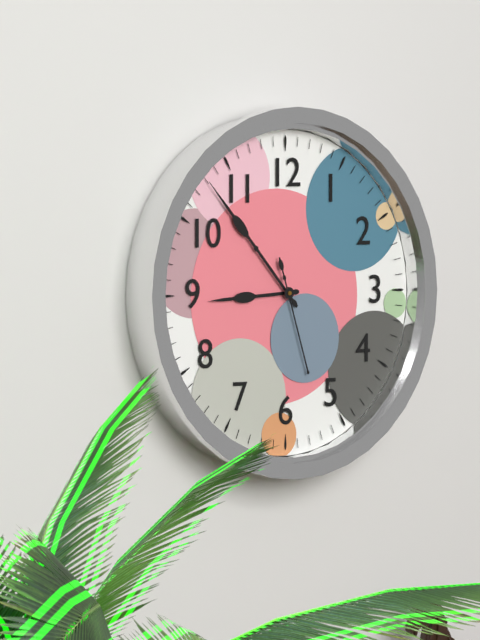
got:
**8:53:27**
